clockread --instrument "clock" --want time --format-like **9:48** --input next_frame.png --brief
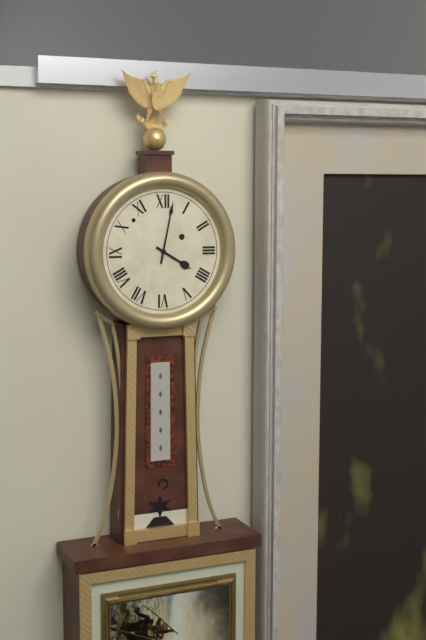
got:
**4:02**
